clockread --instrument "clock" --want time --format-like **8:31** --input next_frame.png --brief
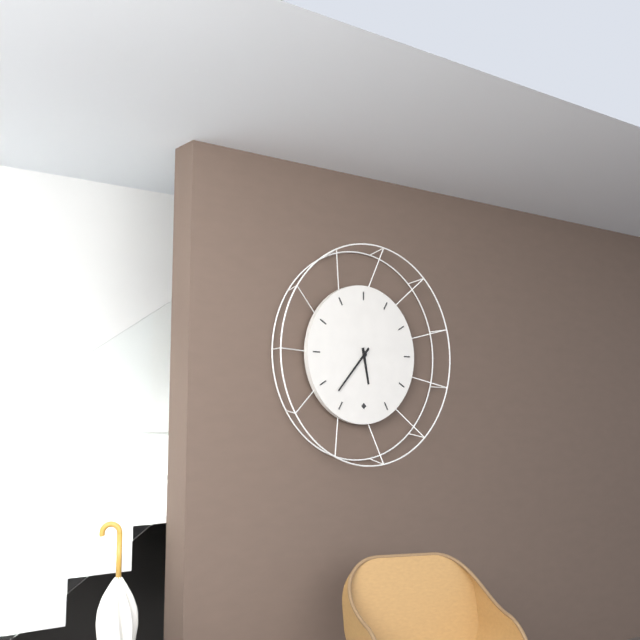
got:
**5:37**
